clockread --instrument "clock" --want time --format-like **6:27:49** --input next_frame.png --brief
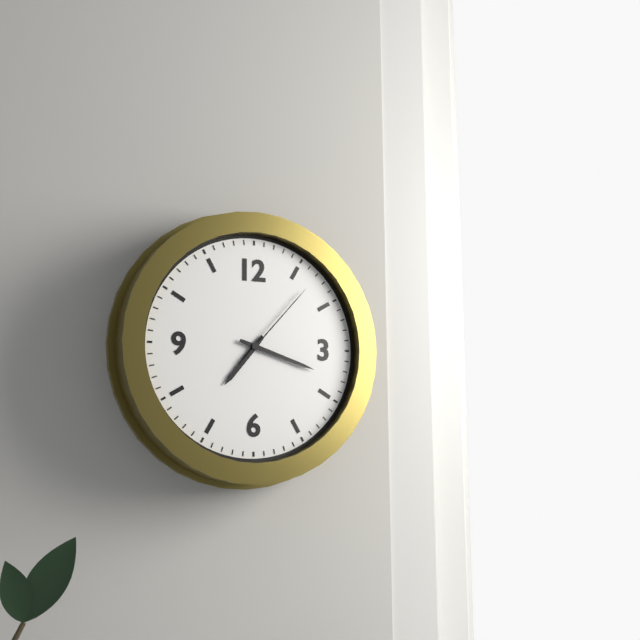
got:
**7:18:07**
